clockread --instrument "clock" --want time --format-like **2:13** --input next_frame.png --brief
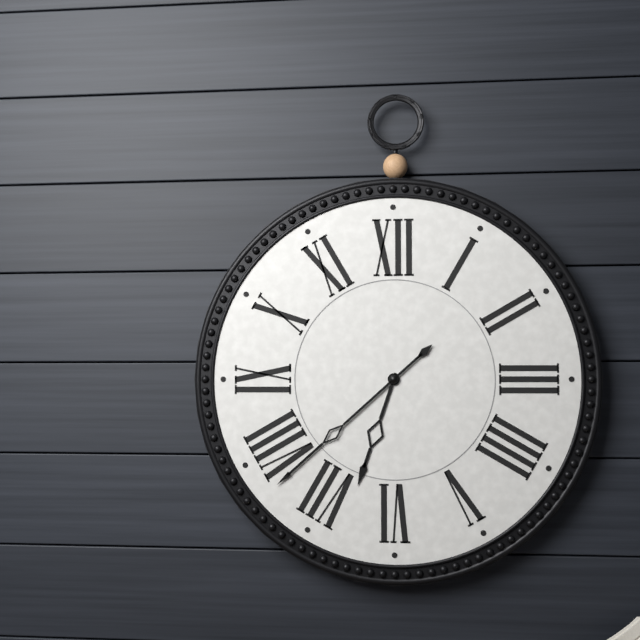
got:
**6:38**
